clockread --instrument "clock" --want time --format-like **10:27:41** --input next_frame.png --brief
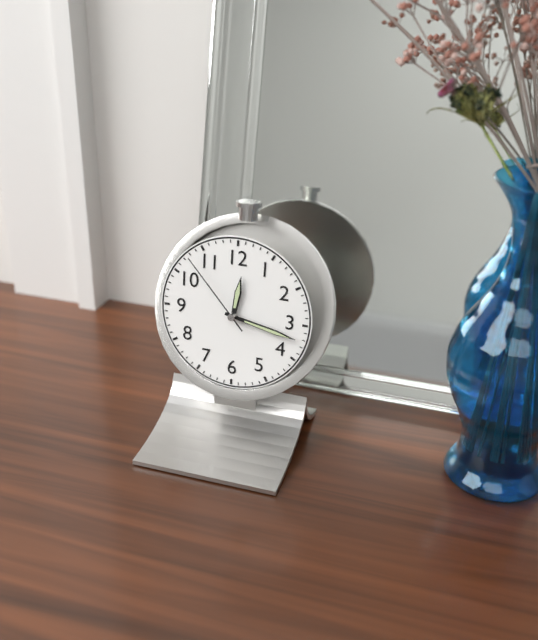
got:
**12:17:53**
